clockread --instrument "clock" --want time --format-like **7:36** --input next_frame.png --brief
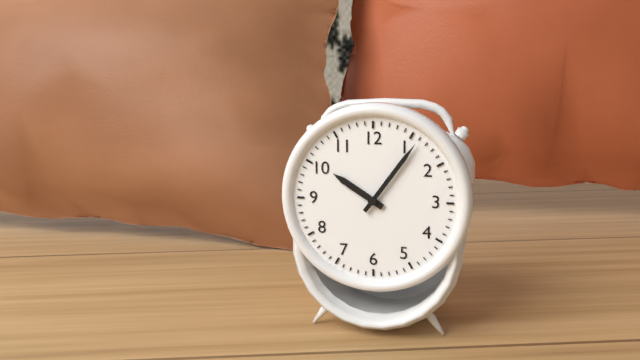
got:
**10:06**
